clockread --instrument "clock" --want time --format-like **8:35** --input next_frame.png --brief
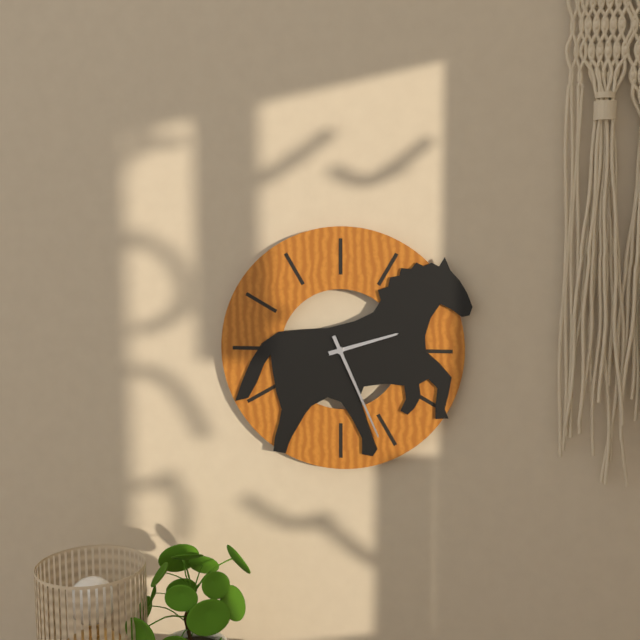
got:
**2:26**
